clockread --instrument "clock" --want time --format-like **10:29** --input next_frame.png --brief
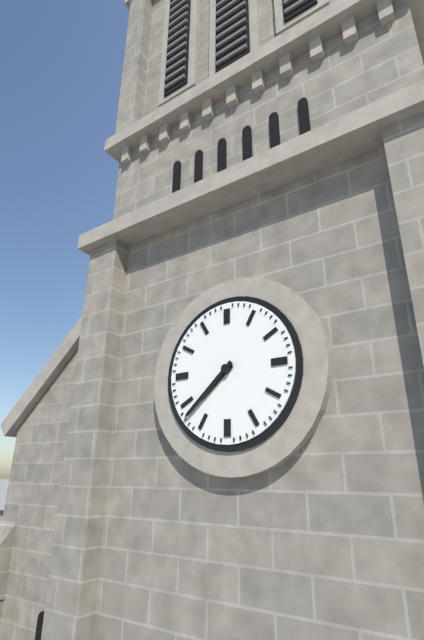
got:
**7:38**
